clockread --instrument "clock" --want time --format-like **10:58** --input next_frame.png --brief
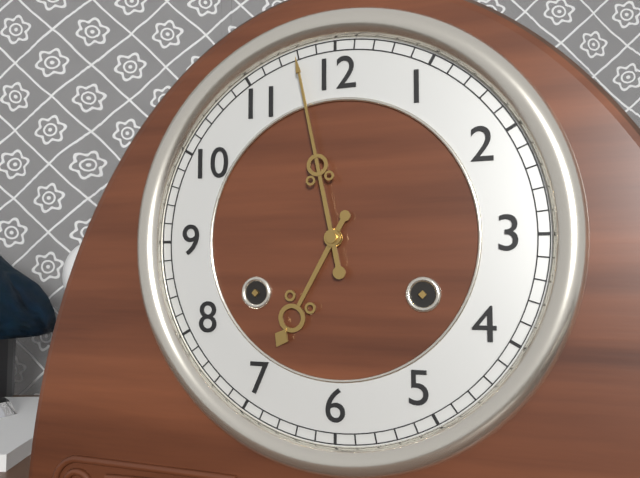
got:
**6:58**
